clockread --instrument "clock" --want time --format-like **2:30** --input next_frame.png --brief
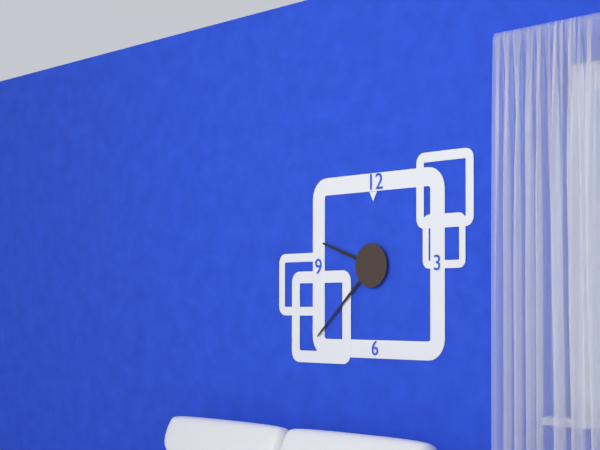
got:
**9:38**
